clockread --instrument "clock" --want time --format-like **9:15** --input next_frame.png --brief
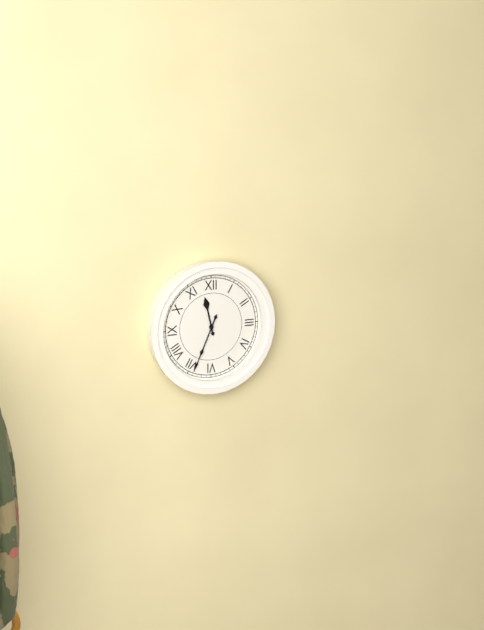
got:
**11:34**
